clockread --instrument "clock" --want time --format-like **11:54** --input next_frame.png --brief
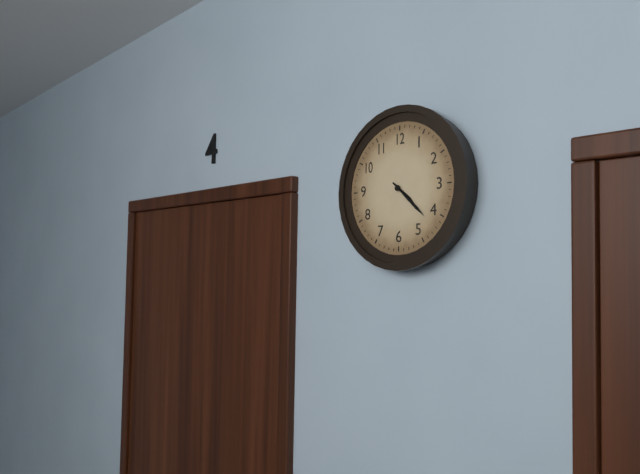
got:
**4:22**
